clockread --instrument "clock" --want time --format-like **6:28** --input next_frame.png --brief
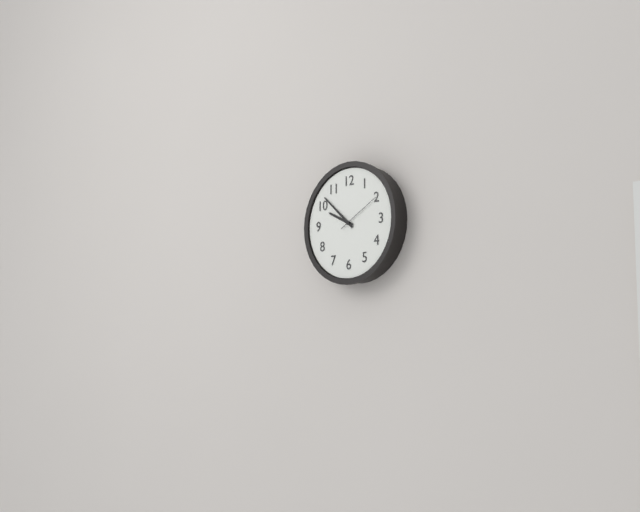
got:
**9:52**
